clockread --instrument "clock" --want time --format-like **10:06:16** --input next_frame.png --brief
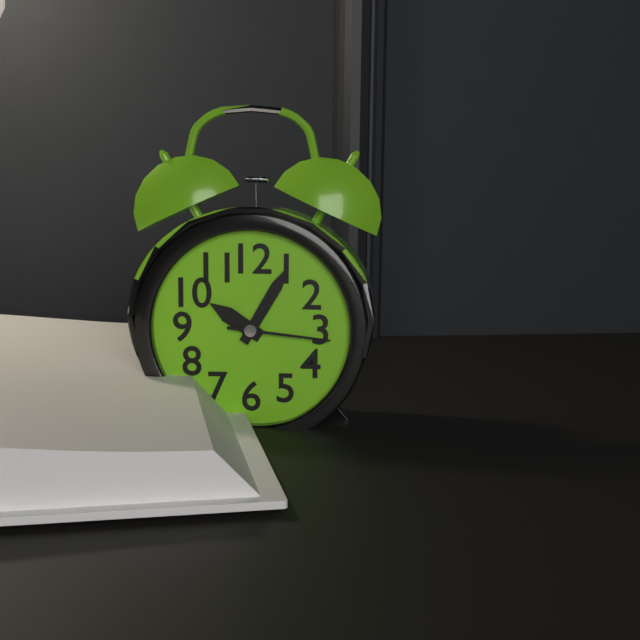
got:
**10:05:16**
